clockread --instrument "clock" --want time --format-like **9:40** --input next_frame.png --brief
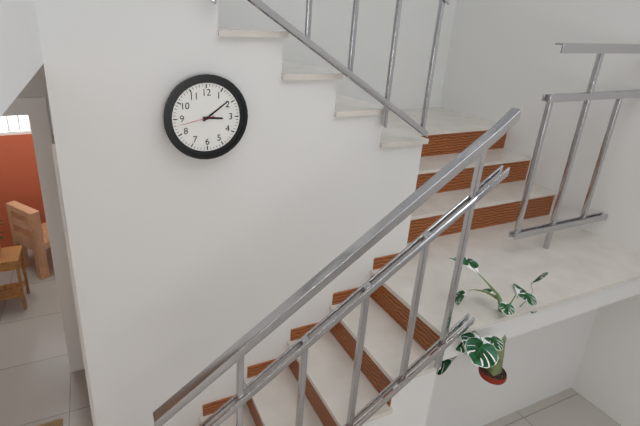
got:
**3:09**
